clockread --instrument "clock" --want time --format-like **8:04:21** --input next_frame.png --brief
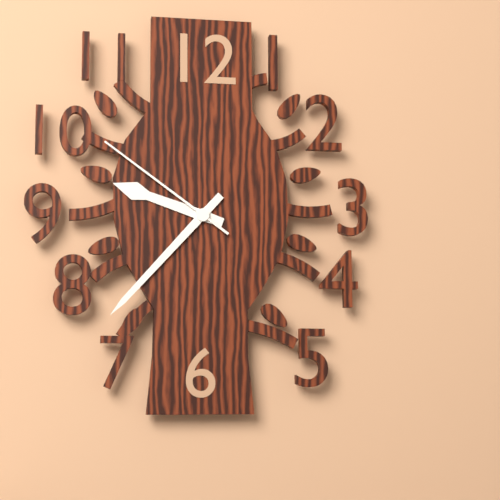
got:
**9:37:51**
